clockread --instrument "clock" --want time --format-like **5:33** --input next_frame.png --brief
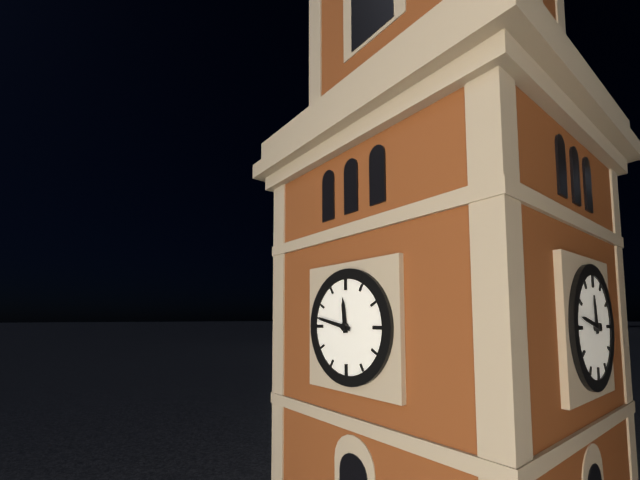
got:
**11:47**
